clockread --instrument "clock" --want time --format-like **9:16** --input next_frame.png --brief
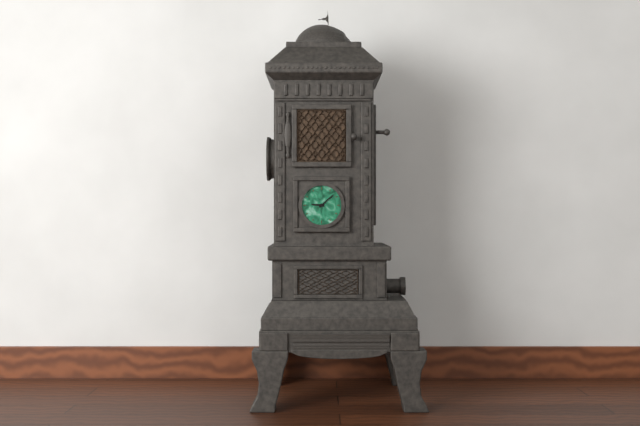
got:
**9:08**
